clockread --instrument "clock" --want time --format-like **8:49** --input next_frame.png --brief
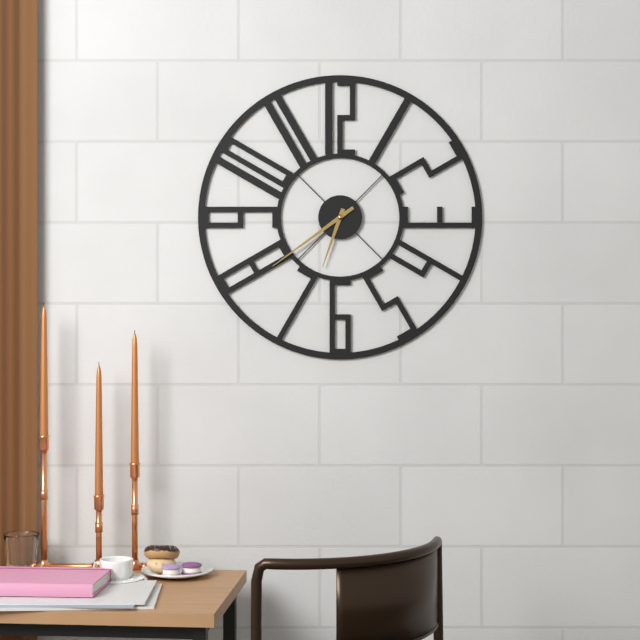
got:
**6:39**
